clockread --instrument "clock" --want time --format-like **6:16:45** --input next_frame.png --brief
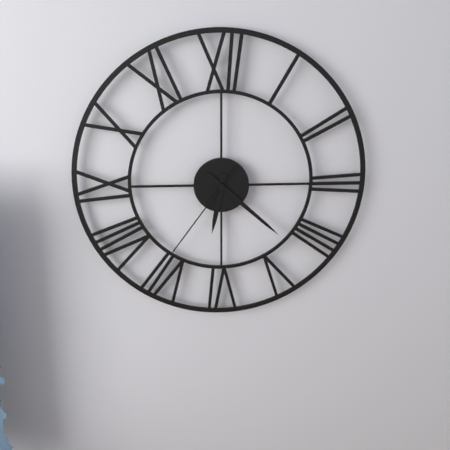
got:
**6:22:36**
